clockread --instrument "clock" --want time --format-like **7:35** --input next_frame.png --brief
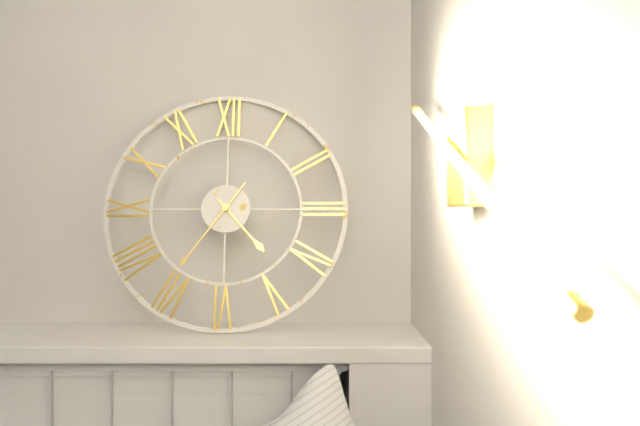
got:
**4:36**
